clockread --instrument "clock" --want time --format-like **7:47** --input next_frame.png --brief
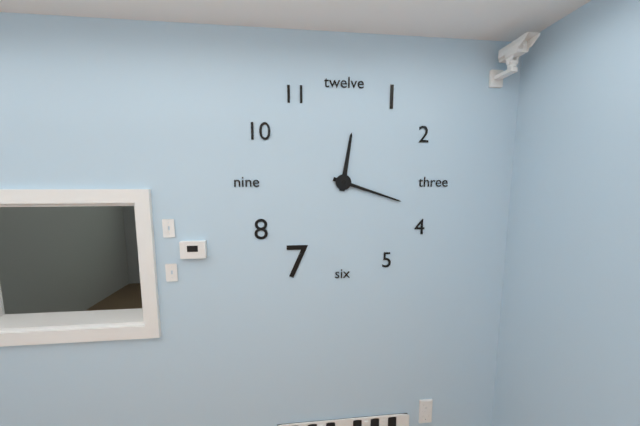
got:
**12:18**
